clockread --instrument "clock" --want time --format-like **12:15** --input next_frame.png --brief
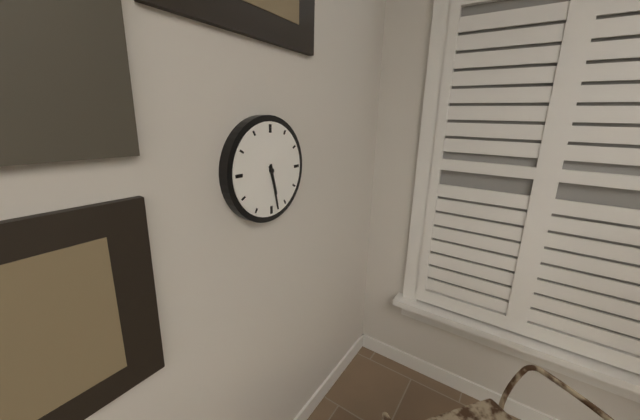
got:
**5:28**
